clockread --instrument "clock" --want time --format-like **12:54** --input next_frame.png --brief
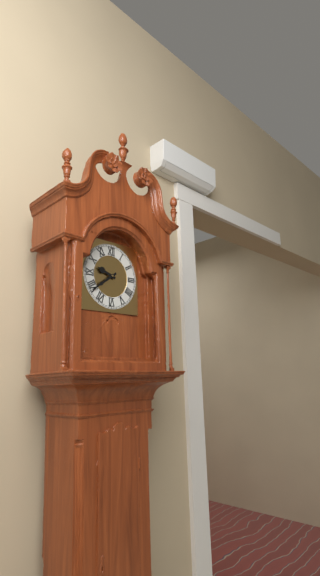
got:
**9:39**
